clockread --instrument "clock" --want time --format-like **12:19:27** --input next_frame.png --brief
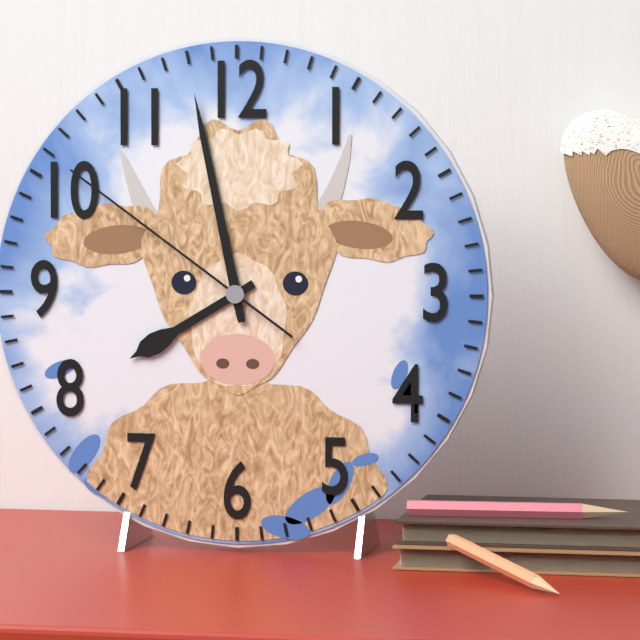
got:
**7:58:51**
